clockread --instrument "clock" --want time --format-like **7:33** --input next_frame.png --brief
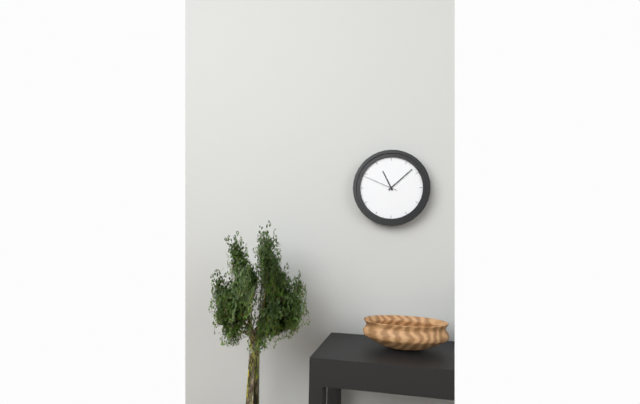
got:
**11:08**
